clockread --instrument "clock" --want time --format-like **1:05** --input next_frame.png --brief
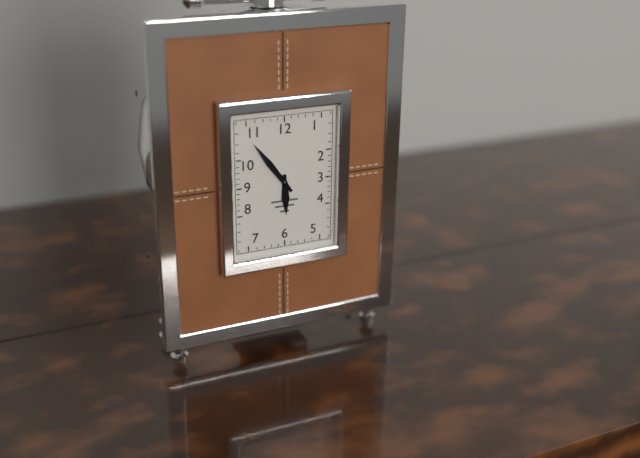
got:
**5:54**
